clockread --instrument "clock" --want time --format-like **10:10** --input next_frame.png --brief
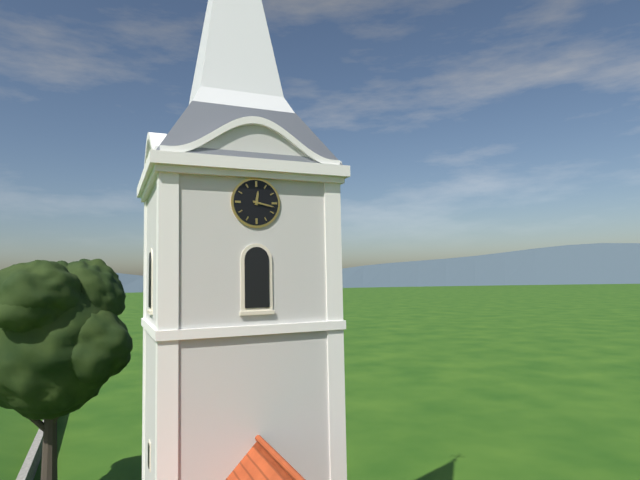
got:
**12:17**
